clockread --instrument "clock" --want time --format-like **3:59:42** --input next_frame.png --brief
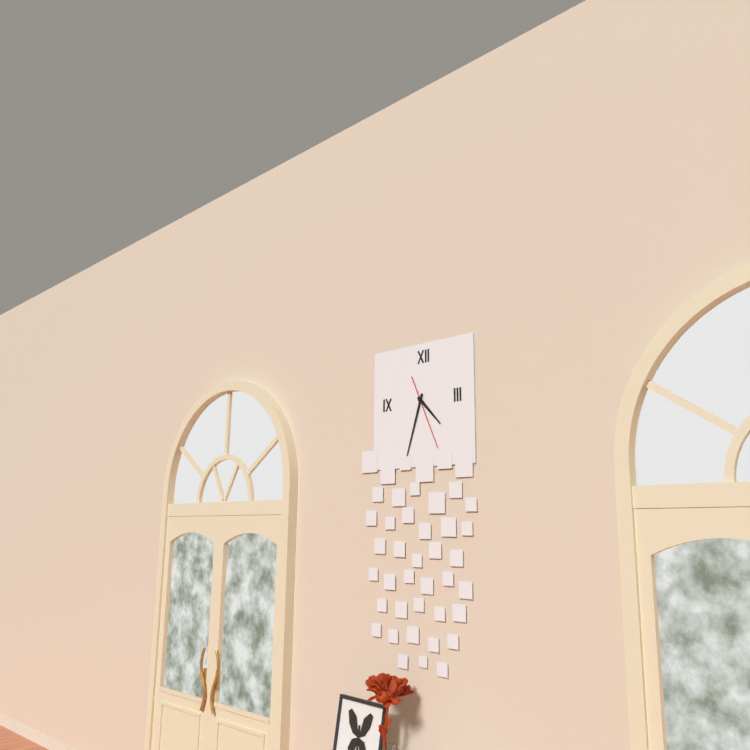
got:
**4:33:26**
